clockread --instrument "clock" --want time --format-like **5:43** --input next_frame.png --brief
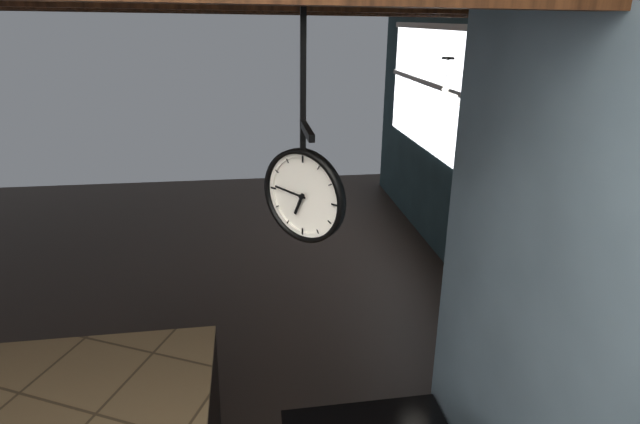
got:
**6:46**
